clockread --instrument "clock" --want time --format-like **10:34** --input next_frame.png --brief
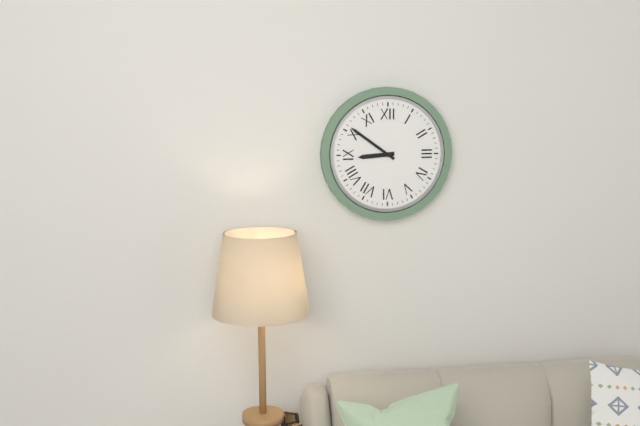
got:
**8:51**
